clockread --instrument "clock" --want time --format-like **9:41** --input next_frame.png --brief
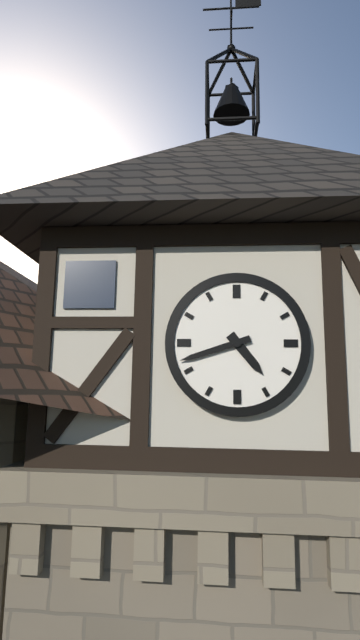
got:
**4:42**
